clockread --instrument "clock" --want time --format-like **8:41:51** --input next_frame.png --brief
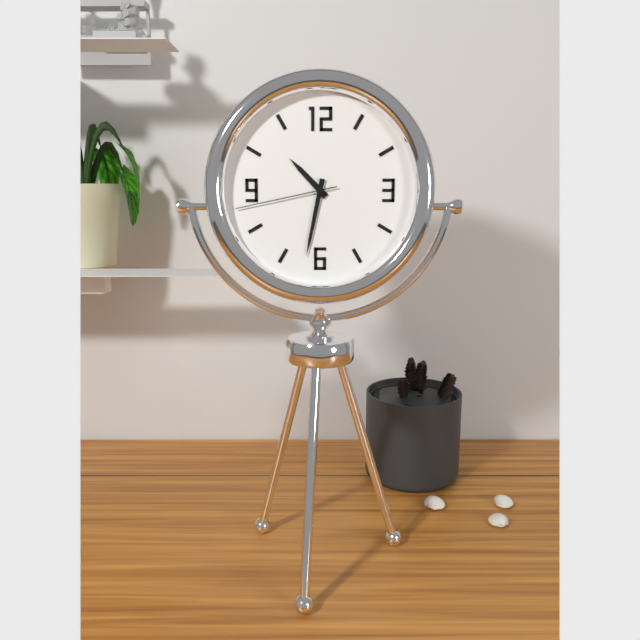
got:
**10:32:43**
